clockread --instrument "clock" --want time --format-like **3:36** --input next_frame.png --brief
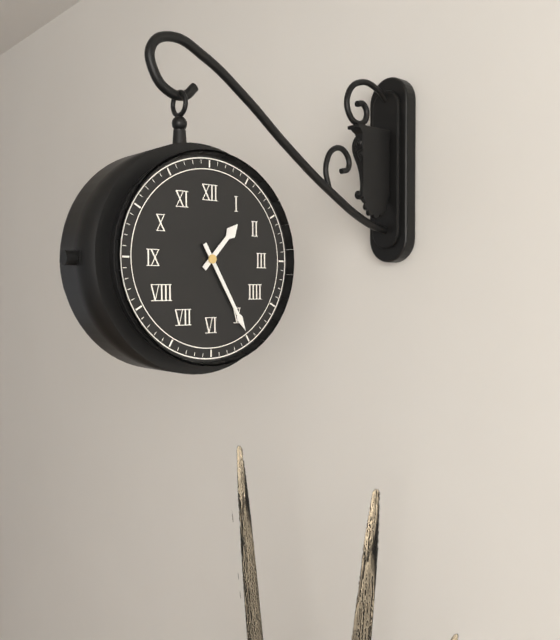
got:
**1:25**
